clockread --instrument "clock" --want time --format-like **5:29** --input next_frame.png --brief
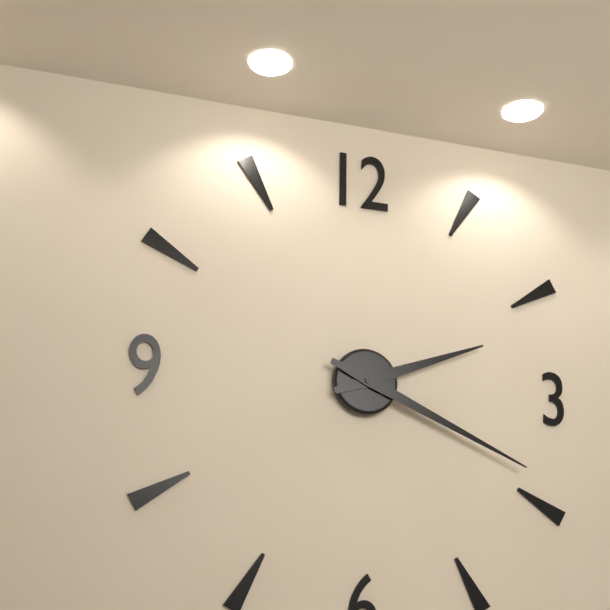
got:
**2:19**
